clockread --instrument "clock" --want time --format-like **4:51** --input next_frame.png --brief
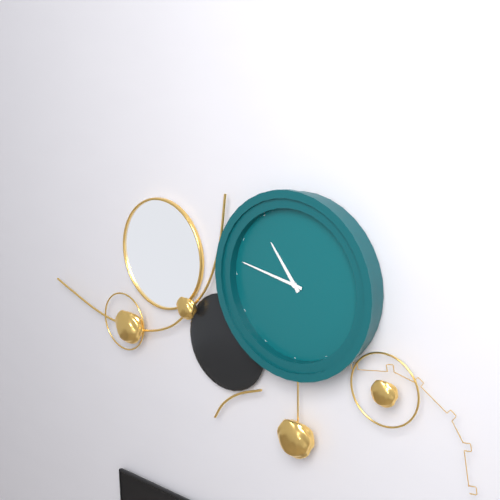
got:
**10:47**
